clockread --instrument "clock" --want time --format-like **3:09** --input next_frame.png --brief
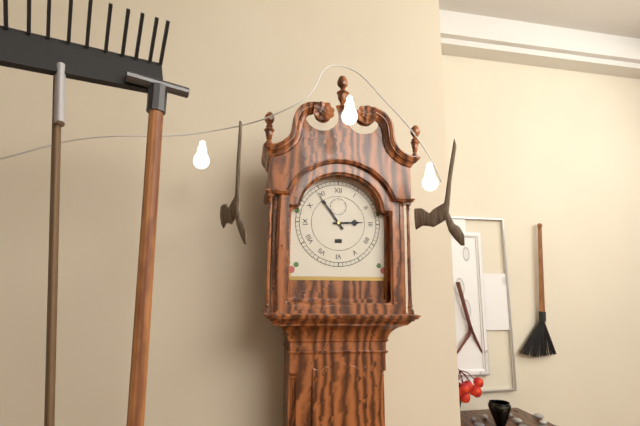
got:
**2:54**
